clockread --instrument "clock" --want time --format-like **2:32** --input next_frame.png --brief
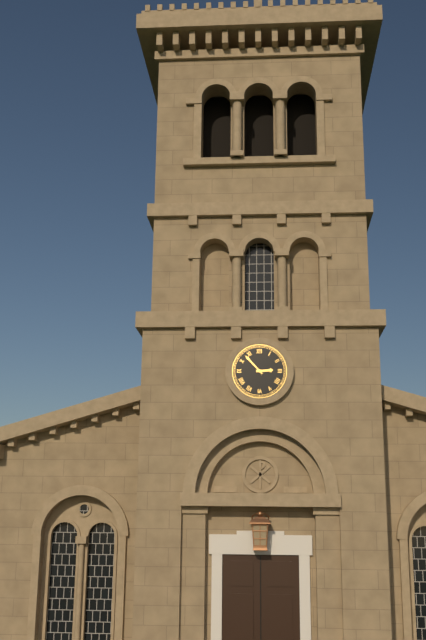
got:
**2:53**
